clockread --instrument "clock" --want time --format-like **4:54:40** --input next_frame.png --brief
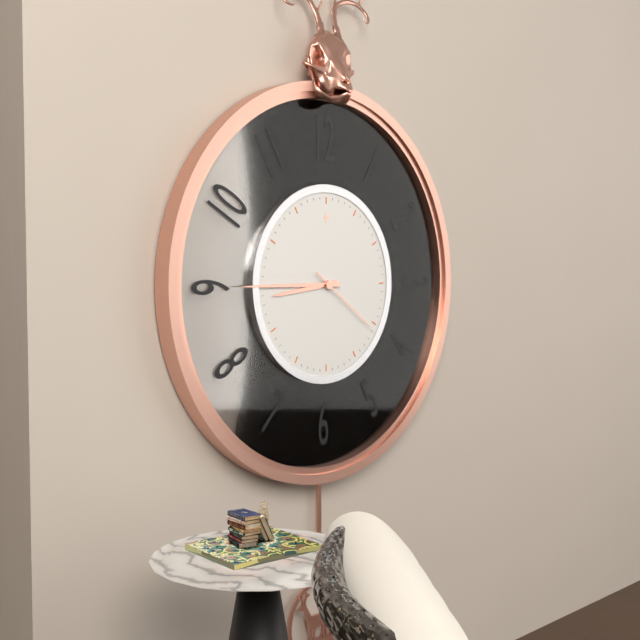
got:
**8:45:21**
